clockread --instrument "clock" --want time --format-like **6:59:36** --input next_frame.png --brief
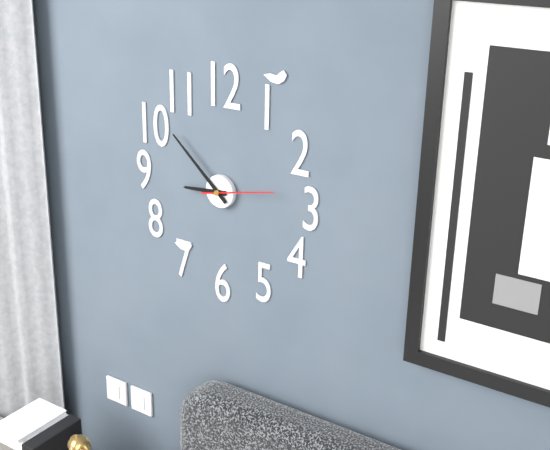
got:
**8:52:13**
